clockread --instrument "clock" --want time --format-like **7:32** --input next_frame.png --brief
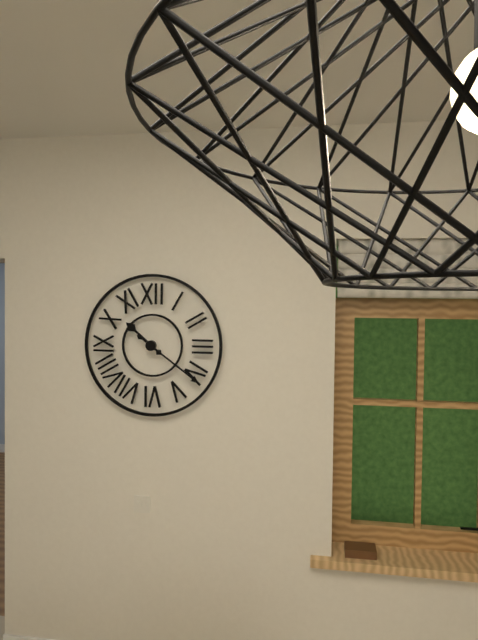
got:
**10:21**
